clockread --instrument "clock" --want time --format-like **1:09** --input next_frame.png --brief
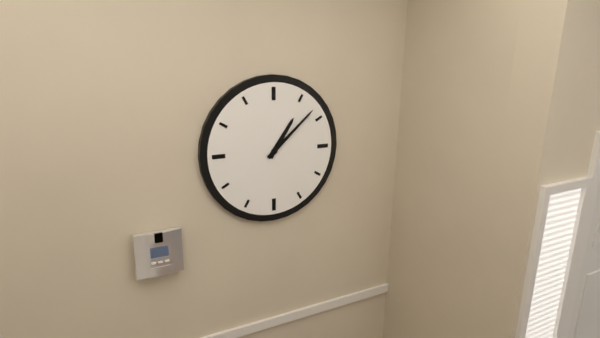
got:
**1:08**
